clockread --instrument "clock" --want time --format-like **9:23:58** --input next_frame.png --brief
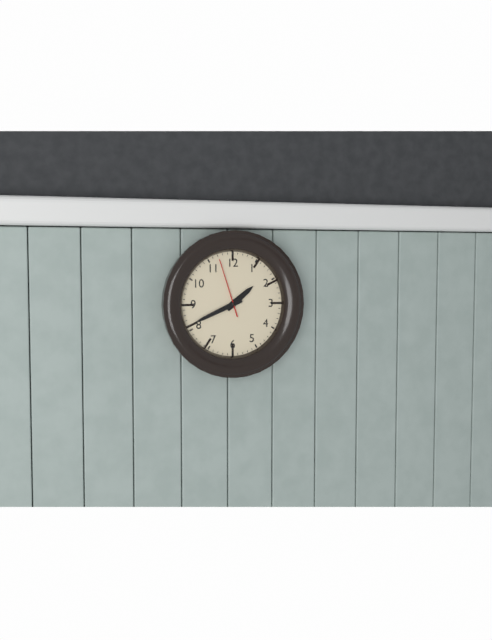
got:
**1:41:57**
